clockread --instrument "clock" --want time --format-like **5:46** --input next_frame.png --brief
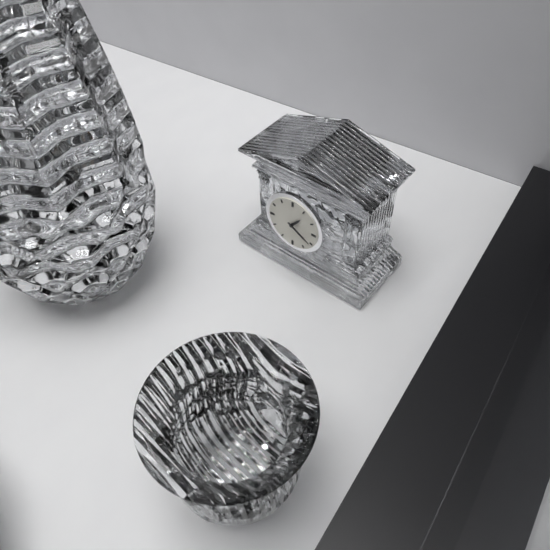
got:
**1:20**
